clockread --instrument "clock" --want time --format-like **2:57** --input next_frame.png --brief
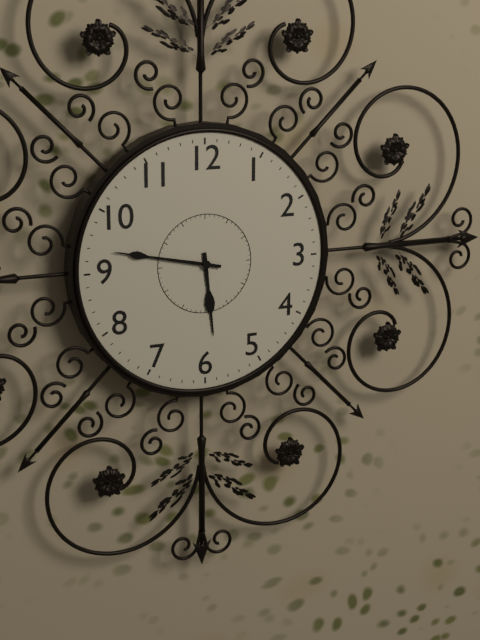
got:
**5:47**
